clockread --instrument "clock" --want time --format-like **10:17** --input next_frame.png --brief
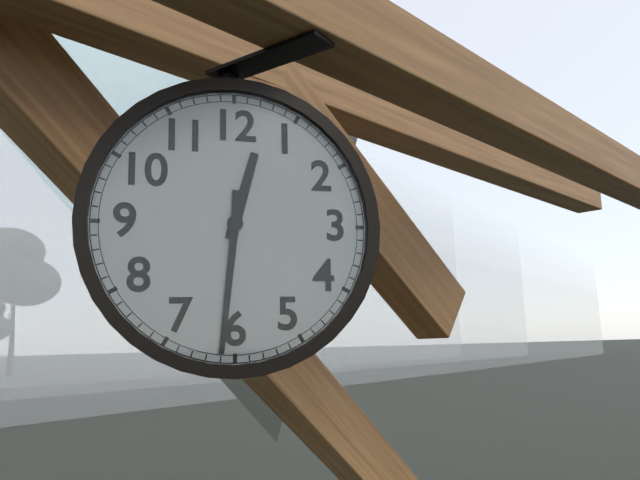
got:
**12:31**
